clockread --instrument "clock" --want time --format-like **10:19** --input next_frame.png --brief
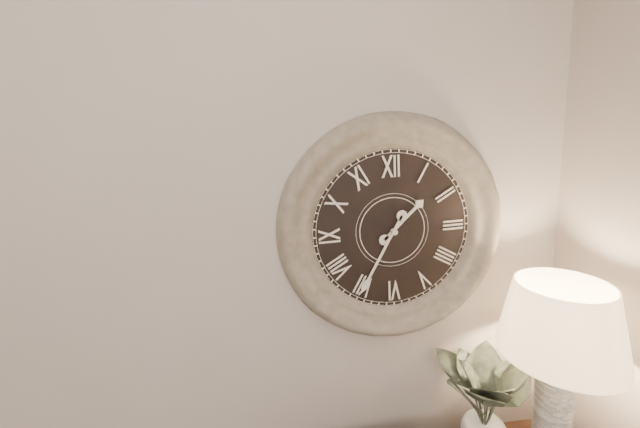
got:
**1:35**
